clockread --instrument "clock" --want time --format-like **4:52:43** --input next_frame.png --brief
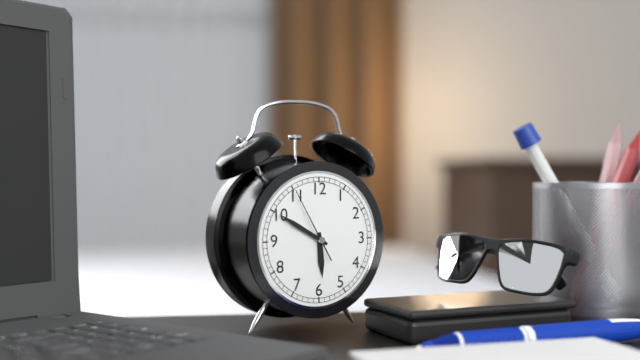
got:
**5:50:55**
